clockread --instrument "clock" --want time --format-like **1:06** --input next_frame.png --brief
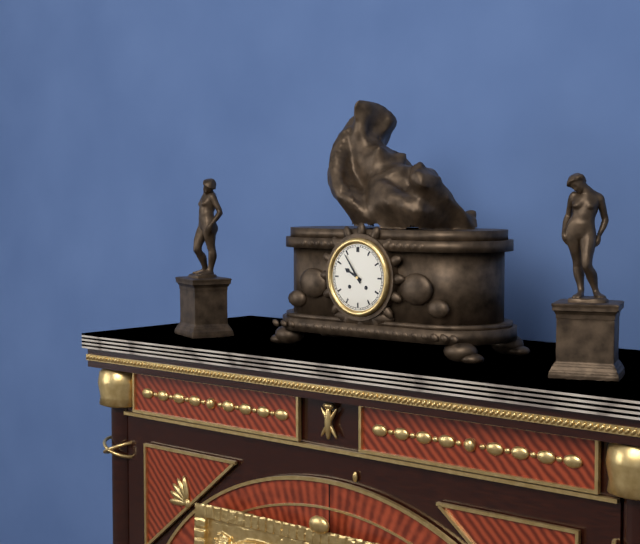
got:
**9:54**
